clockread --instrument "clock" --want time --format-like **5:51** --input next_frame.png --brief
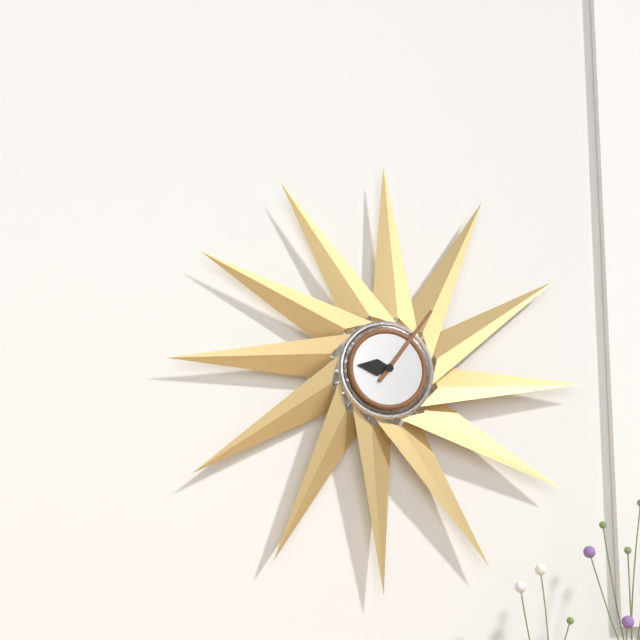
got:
**9:06**
